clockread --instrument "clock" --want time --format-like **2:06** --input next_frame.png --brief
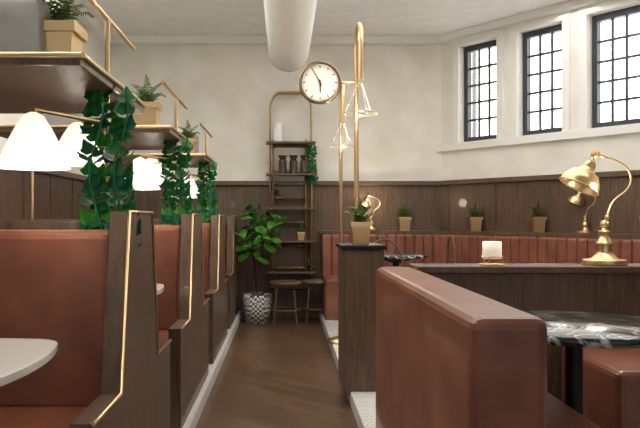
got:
**5:55**
